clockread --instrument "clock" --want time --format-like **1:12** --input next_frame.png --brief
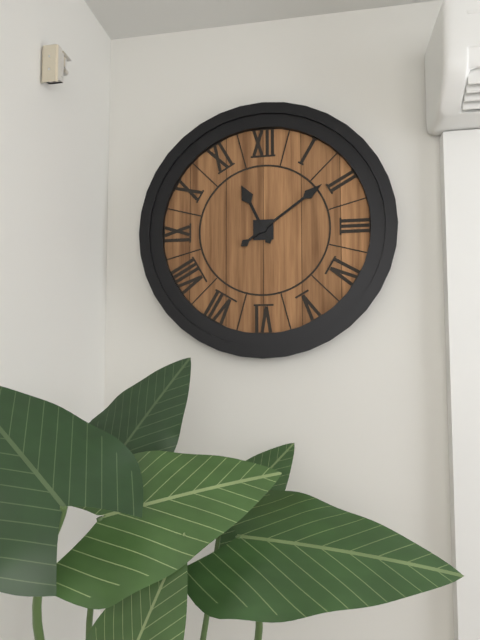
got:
**11:09**
